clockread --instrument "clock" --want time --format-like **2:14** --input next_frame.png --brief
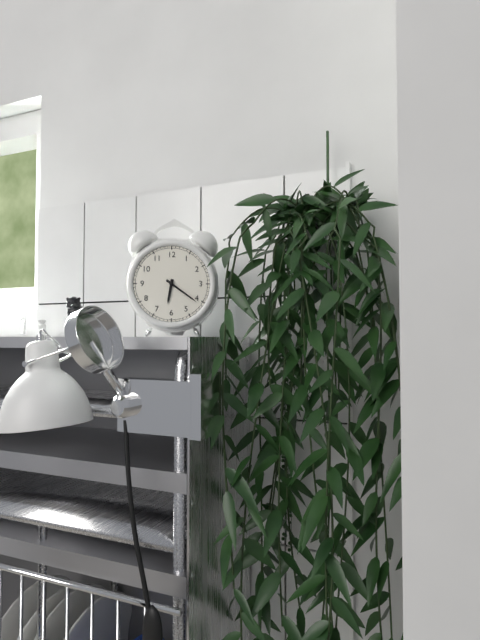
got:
**6:21**
